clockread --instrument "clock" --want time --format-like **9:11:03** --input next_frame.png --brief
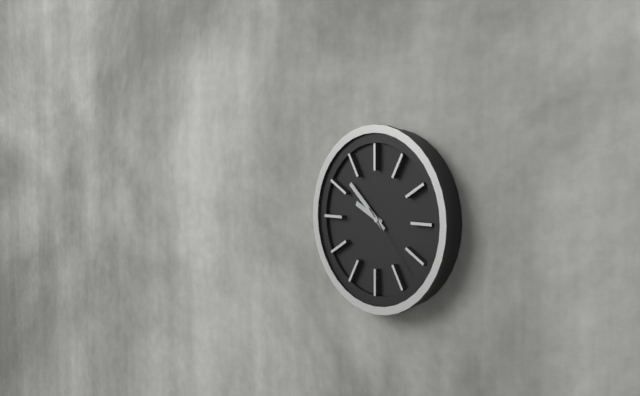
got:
**9:52:23**
